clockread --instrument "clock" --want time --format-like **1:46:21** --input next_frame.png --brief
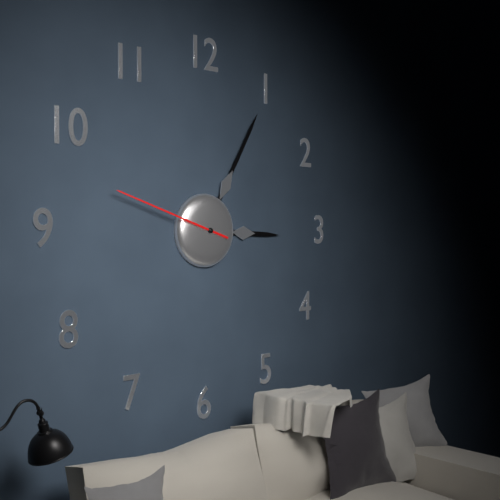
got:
**3:05:48**
